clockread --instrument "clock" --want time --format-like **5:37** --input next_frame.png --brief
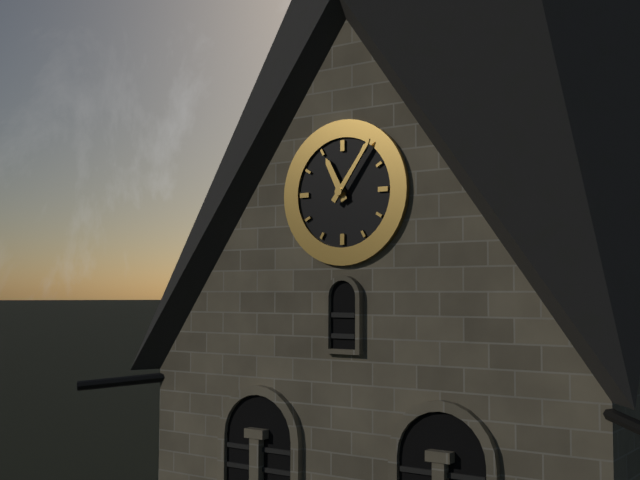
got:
**11:06**
